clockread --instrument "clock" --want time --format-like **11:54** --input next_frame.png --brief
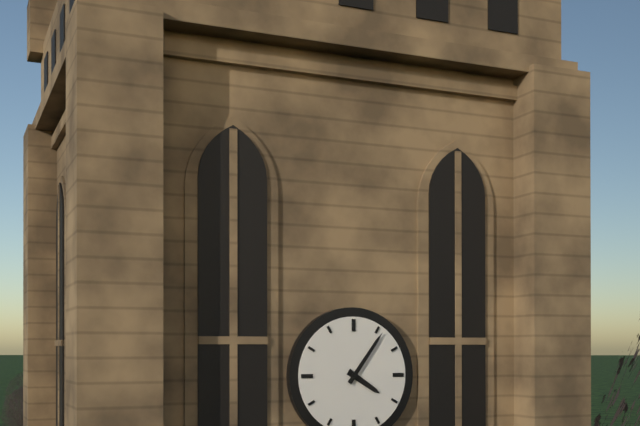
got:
**4:06**
